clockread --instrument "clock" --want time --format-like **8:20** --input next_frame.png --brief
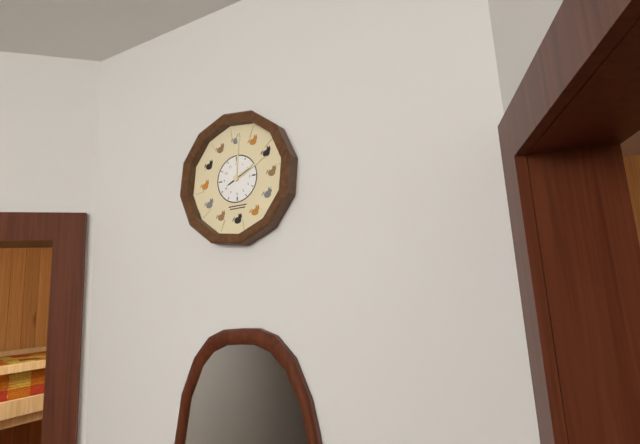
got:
**8:11**
